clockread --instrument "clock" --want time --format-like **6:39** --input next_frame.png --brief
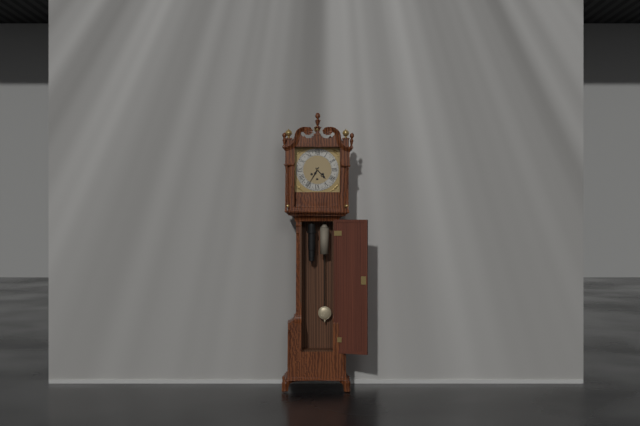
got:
**4:35**
